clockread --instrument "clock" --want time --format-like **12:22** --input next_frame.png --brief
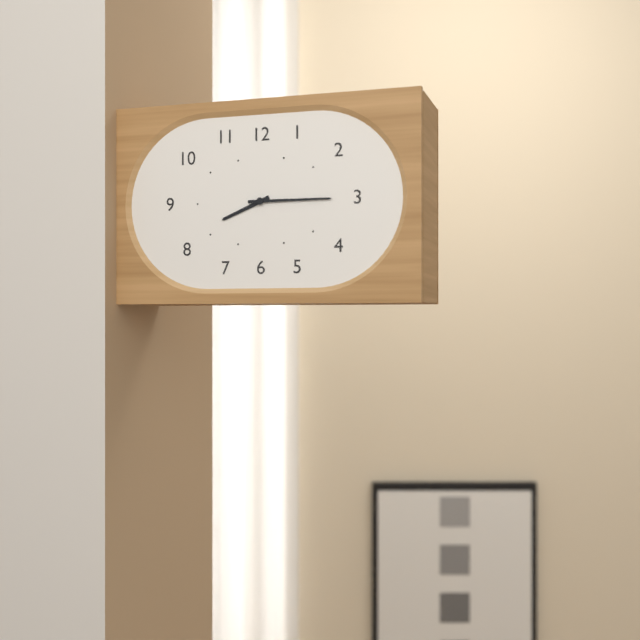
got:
**8:15**
